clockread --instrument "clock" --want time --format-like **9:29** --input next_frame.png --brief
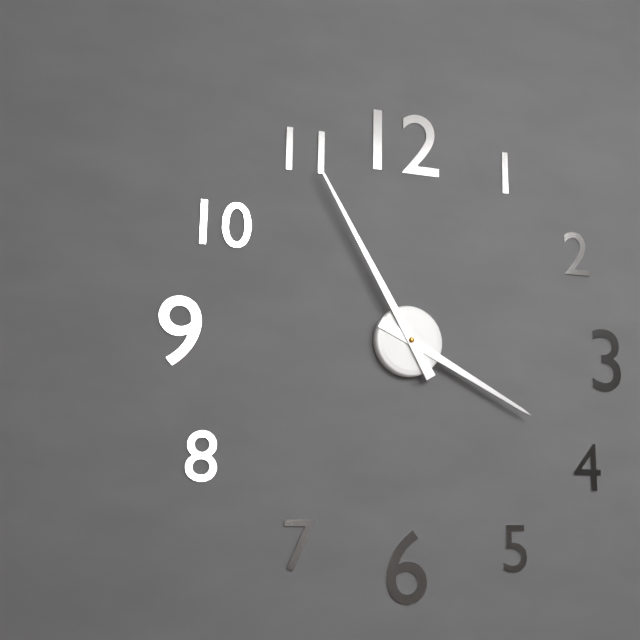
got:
**3:55**
